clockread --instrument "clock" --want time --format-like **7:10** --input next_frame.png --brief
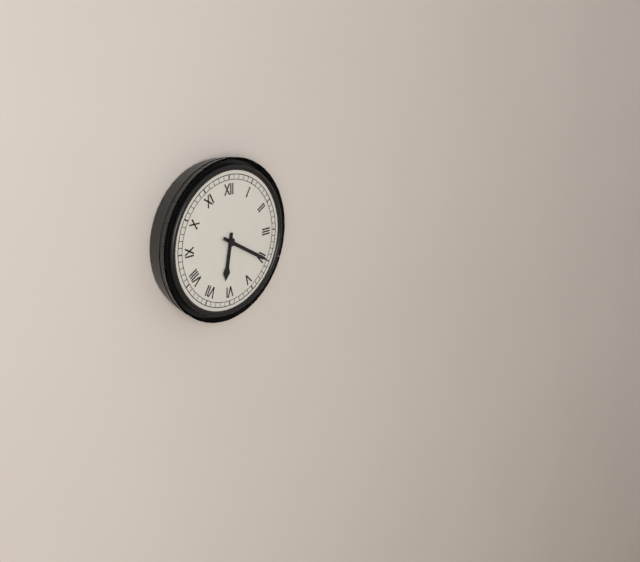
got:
**6:20**
